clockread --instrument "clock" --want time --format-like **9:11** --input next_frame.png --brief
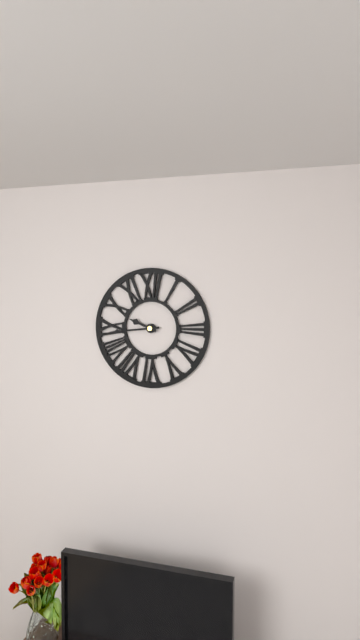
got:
**9:44**
